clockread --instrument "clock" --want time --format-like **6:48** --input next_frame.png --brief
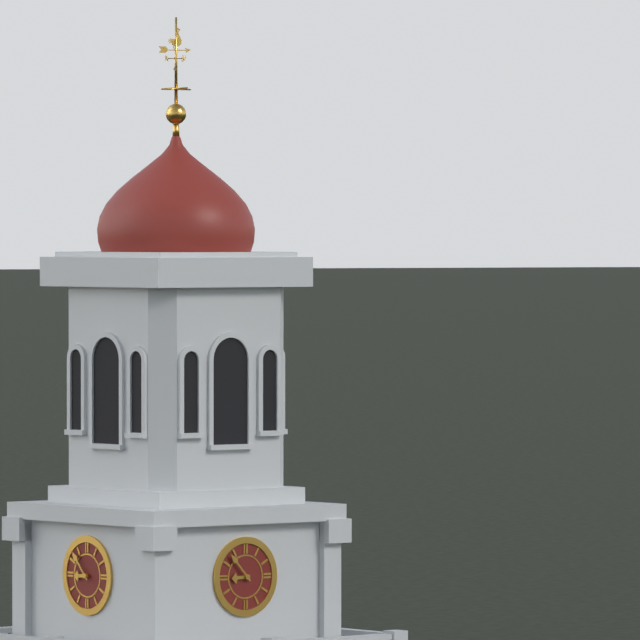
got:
**8:53**
